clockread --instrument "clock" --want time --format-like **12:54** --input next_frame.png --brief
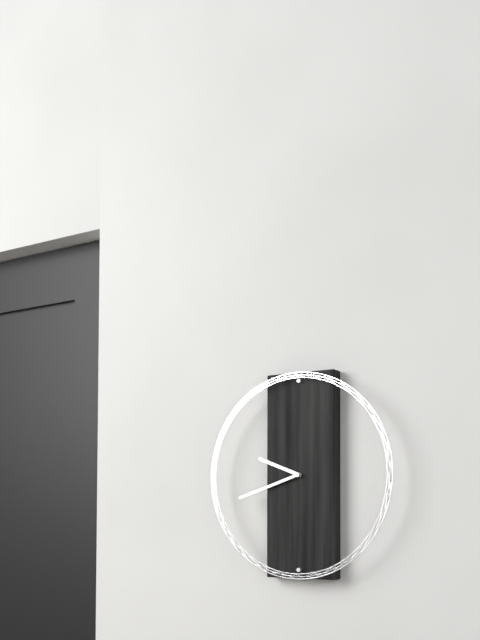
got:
**9:42**
